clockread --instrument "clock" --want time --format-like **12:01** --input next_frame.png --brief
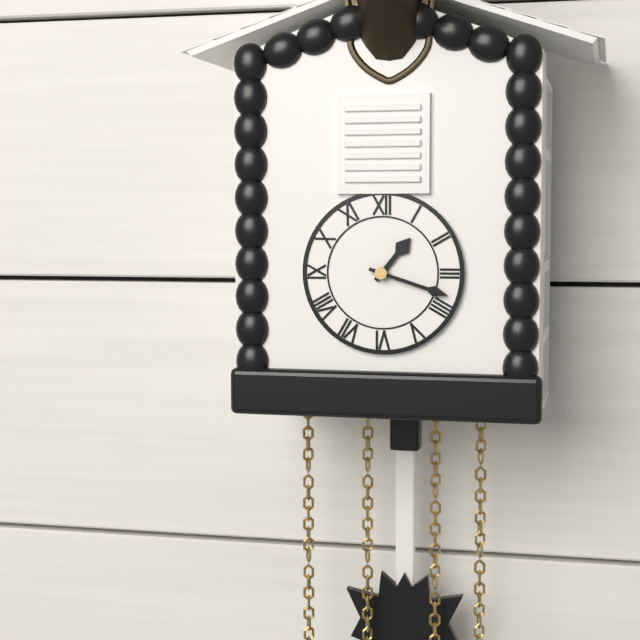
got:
**1:18**
